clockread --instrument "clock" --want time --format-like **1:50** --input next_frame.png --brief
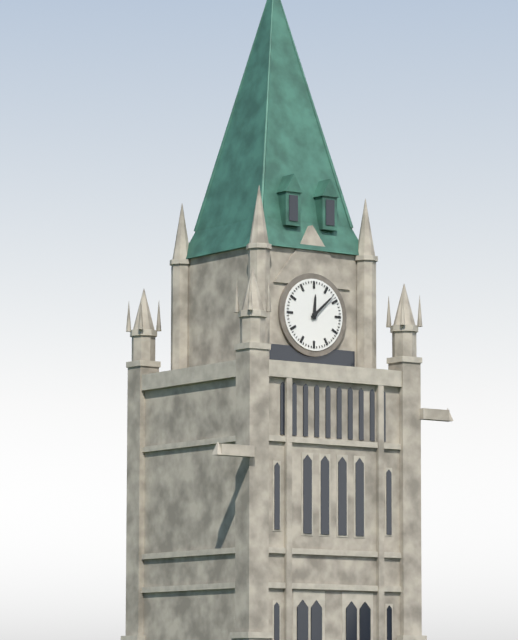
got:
**12:08**
